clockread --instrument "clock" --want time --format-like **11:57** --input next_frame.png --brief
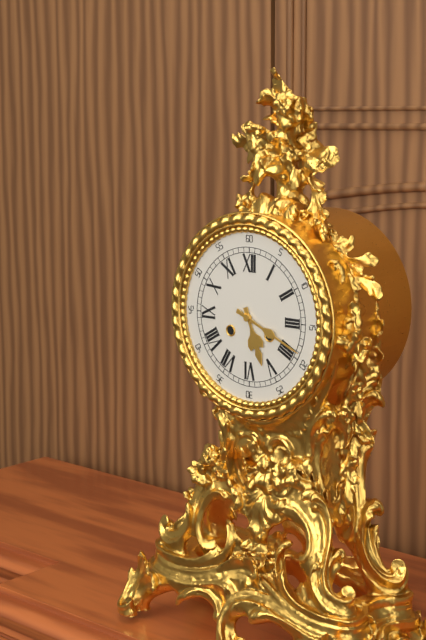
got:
**5:19**
